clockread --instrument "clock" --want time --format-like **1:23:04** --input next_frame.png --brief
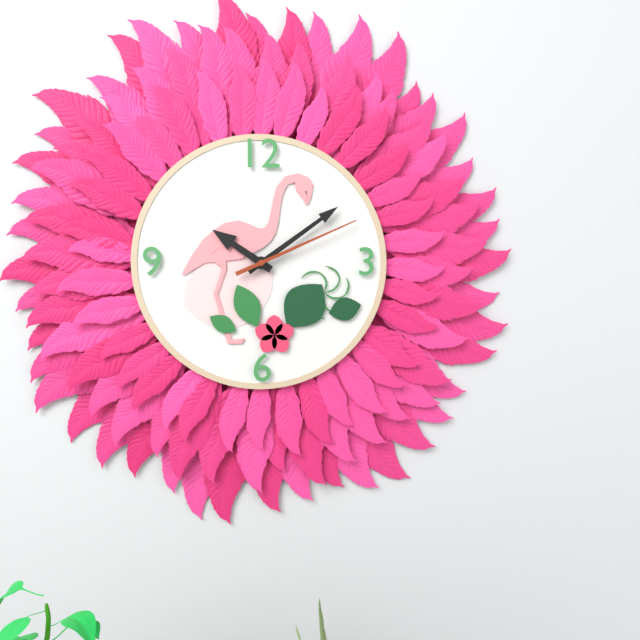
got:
**10:09:11**
